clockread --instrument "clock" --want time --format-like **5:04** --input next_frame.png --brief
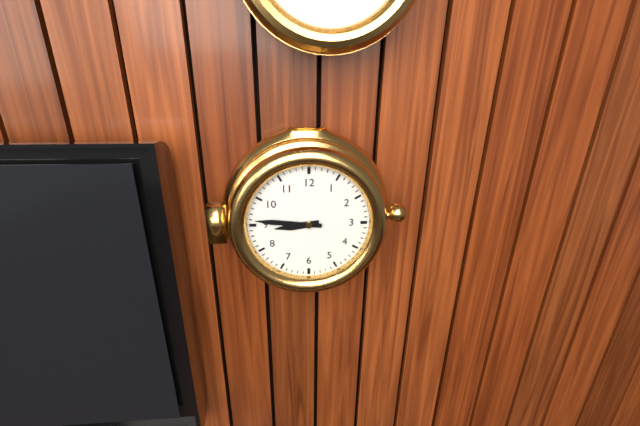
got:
**8:46**
